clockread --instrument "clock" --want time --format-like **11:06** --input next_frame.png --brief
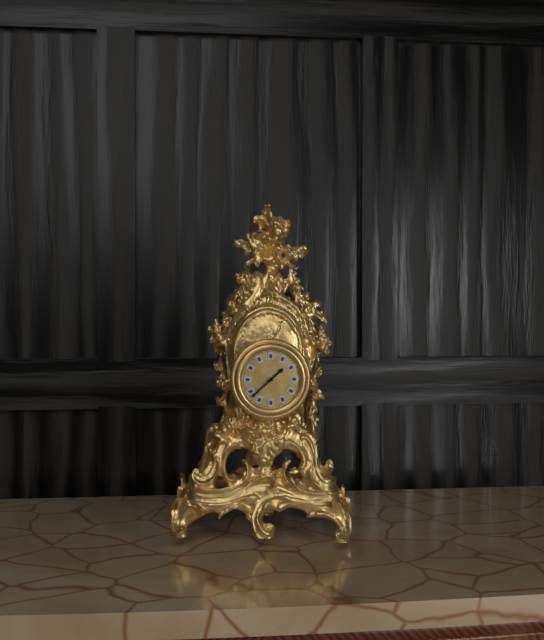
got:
**1:38**
